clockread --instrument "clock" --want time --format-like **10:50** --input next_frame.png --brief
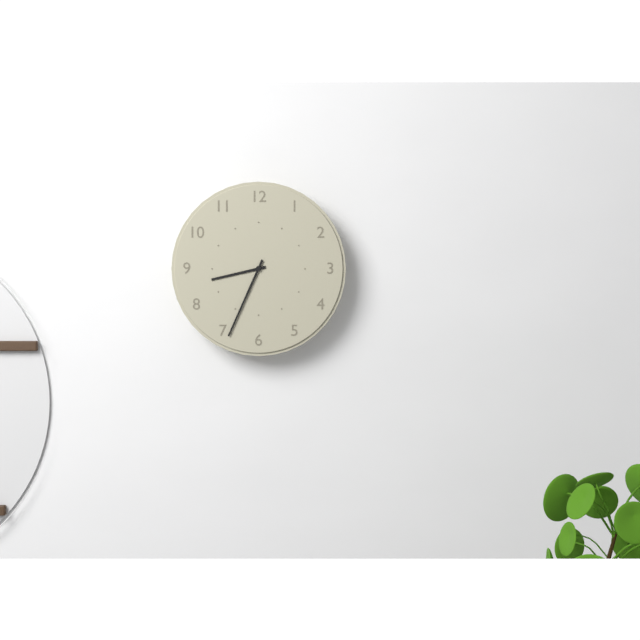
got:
**8:34**
